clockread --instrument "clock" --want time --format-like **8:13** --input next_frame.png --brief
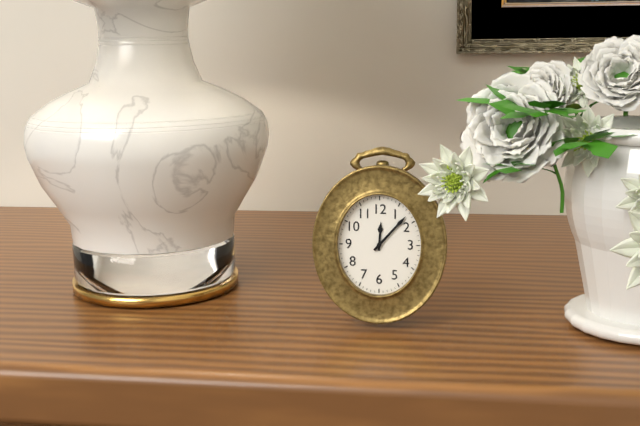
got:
**12:07**
